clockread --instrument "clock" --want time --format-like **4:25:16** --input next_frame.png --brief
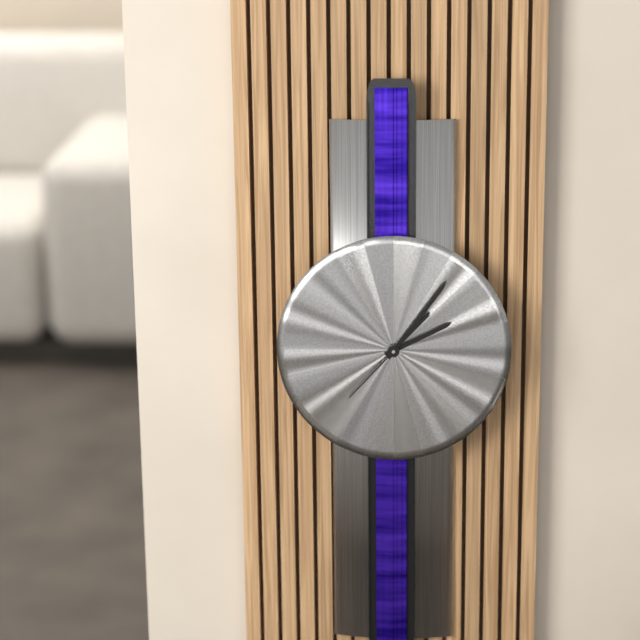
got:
**2:06:37**
